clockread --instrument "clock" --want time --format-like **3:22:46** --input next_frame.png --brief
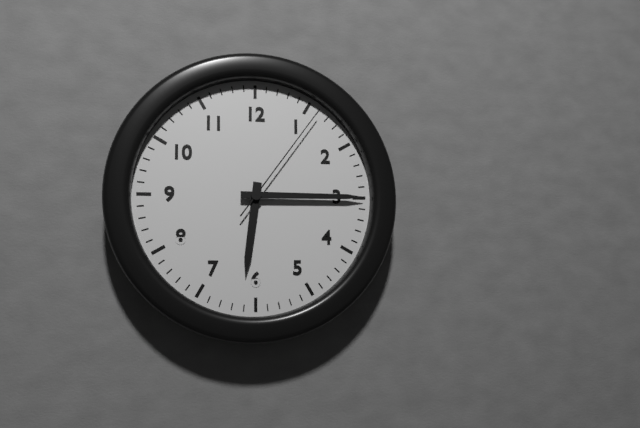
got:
**6:15:06**
